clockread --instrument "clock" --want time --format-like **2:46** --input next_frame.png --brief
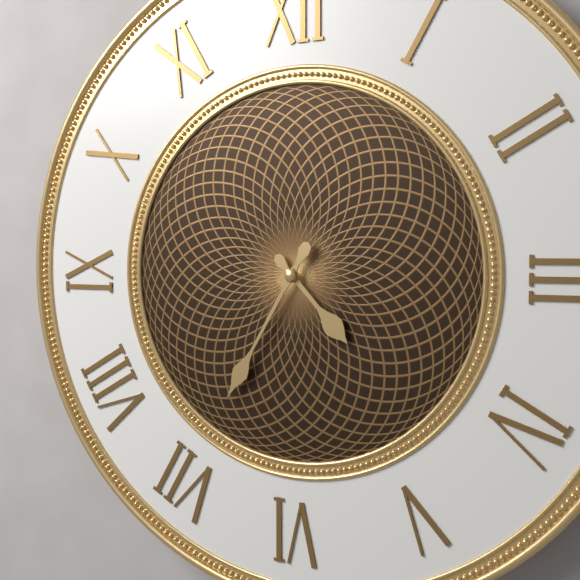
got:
**4:35**
